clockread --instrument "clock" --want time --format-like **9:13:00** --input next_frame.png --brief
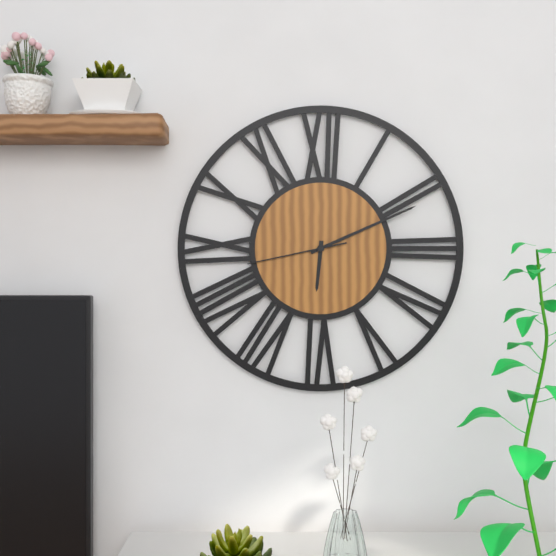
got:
**6:11:43**
